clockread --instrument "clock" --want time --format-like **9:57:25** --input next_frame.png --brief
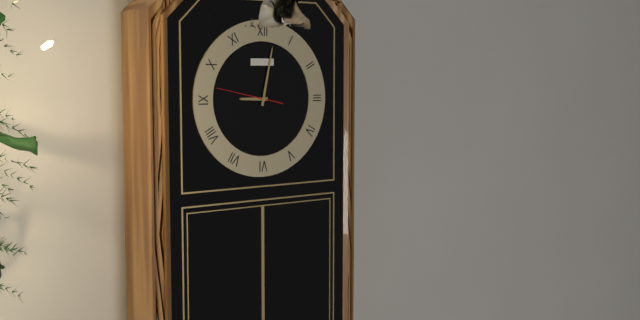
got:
**9:02:47**
